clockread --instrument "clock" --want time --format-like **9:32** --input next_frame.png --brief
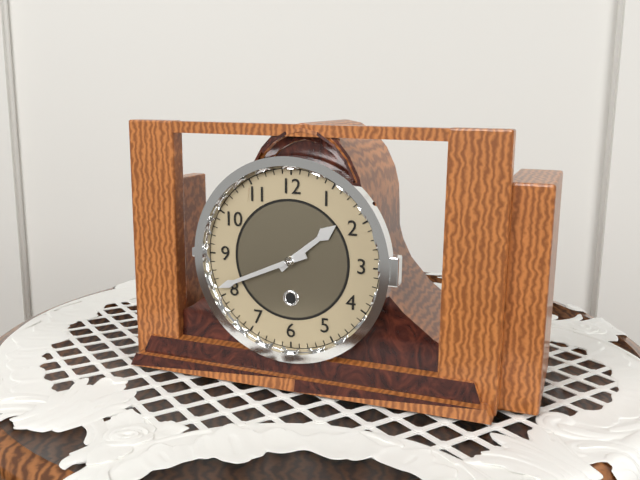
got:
**1:41**
